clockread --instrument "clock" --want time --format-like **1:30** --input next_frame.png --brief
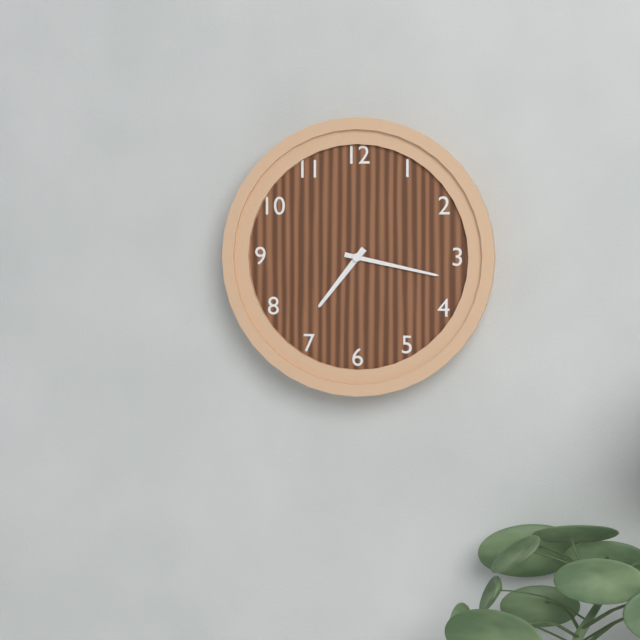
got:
**7:17**
